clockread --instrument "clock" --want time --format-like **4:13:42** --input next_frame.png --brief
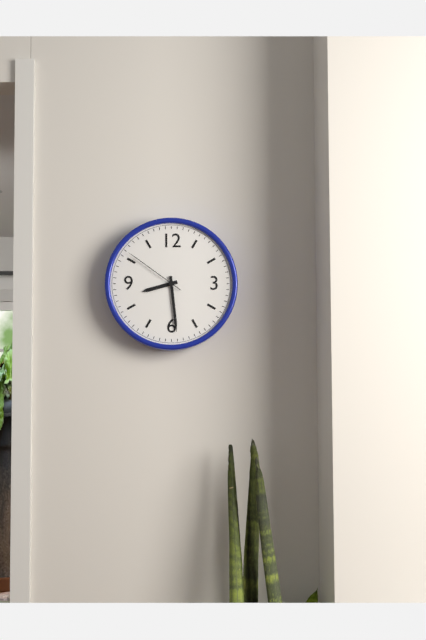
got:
**8:29:51**
